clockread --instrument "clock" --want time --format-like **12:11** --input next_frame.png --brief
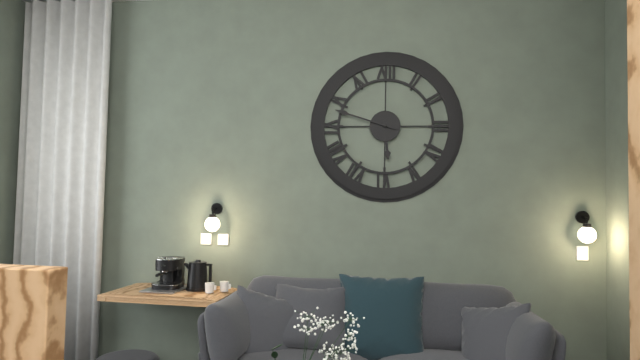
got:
**5:48**
